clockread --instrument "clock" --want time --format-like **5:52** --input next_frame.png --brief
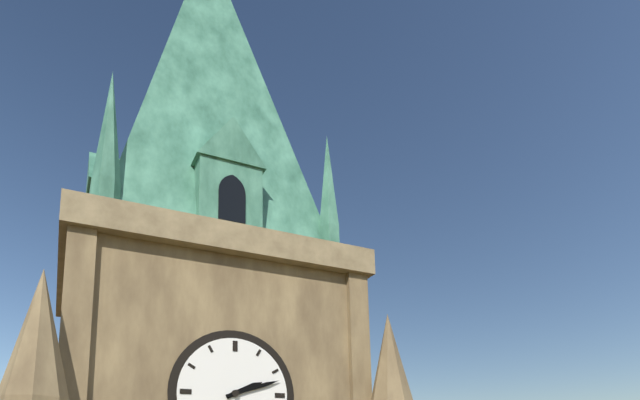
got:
**2:12**
